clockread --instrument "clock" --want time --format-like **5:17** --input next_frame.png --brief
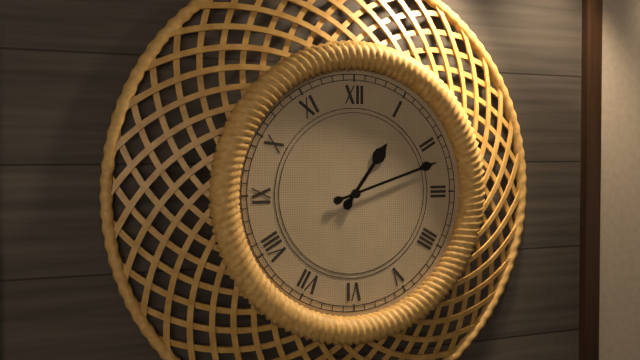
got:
**1:12**
